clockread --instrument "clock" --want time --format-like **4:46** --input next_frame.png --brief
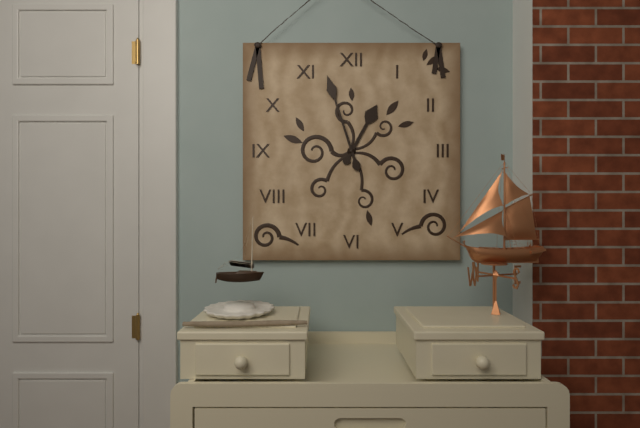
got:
**12:57**
